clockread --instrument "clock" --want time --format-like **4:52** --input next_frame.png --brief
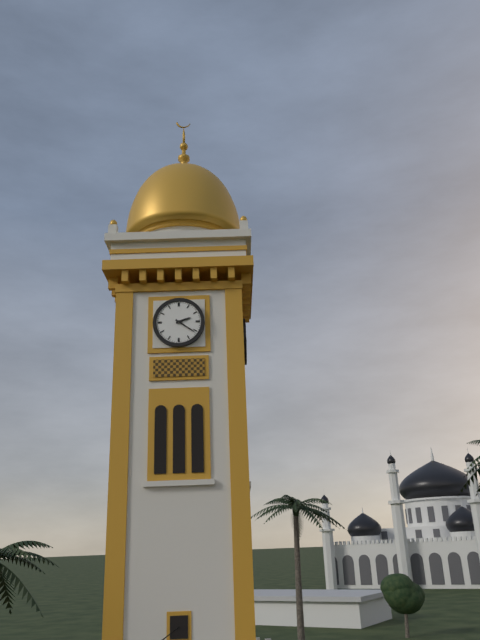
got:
**2:21**
